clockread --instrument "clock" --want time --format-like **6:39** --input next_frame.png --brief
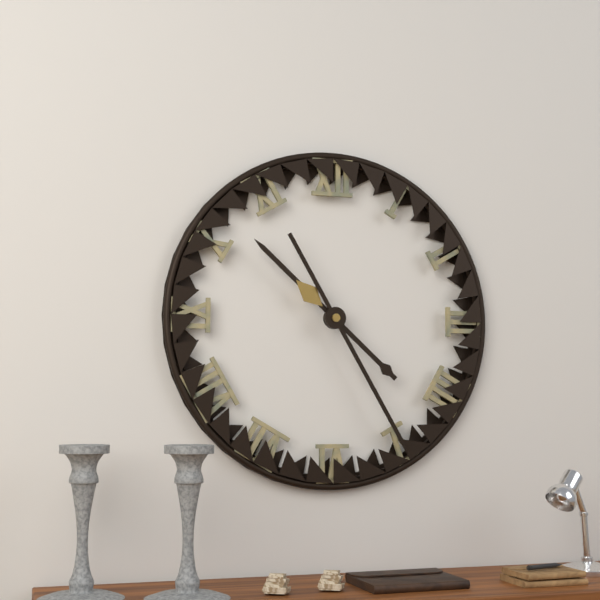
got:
**10:25**
